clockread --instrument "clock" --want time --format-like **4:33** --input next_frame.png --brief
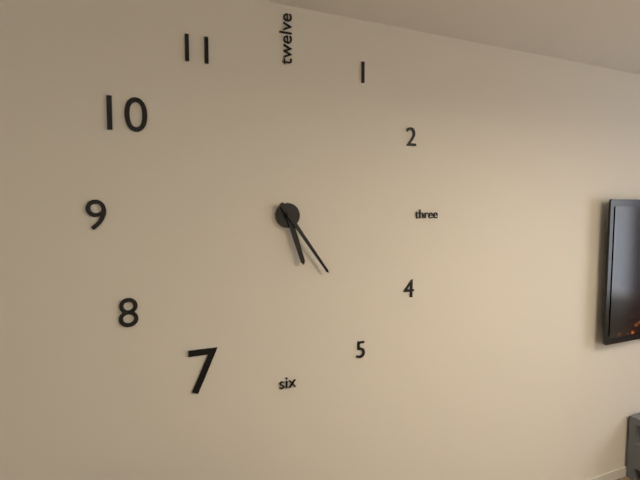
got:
**5:24**
